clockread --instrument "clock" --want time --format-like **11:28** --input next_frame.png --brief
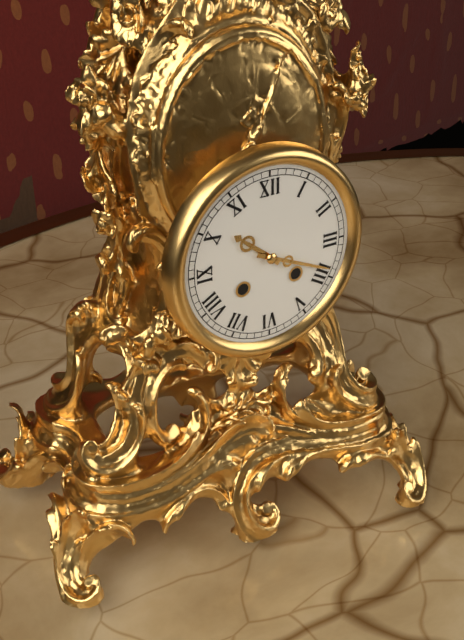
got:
**10:19**
